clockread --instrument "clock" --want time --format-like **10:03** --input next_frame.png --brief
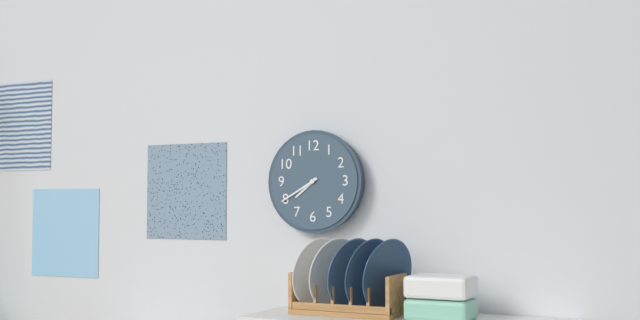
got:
**7:40**
